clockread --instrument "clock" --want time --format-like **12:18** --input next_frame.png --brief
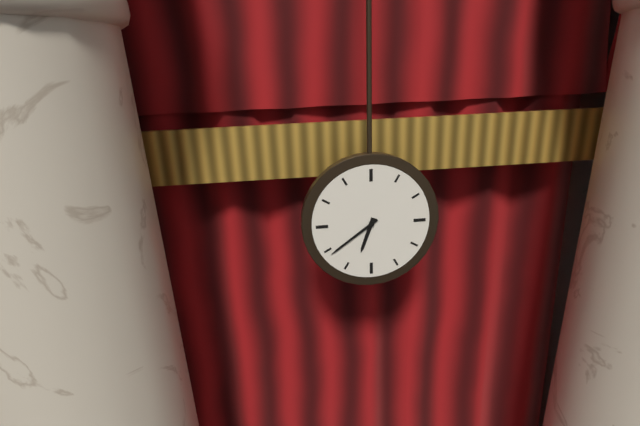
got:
**6:39**
